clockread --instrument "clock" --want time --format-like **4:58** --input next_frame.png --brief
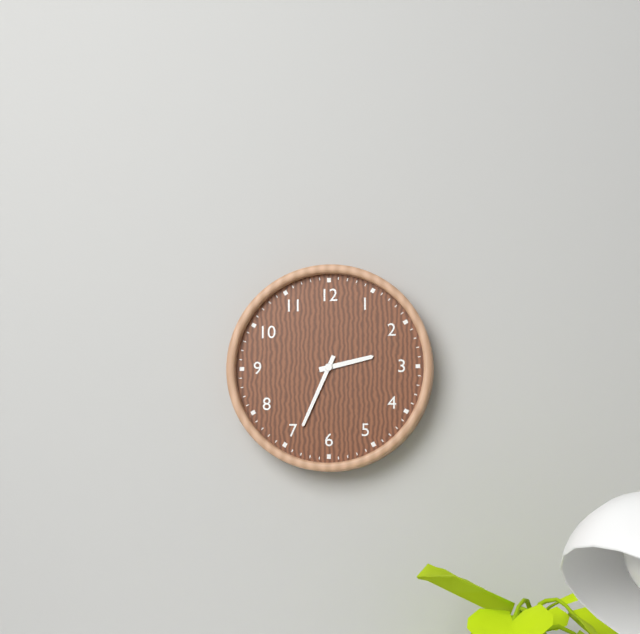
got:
**2:34**
